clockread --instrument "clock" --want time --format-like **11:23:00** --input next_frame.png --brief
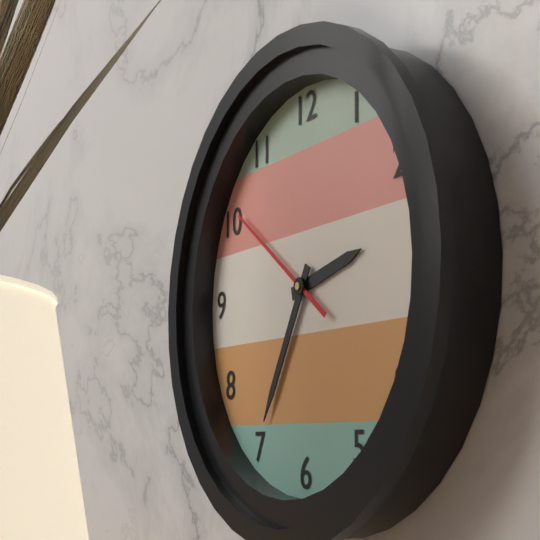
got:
**2:35:51**
